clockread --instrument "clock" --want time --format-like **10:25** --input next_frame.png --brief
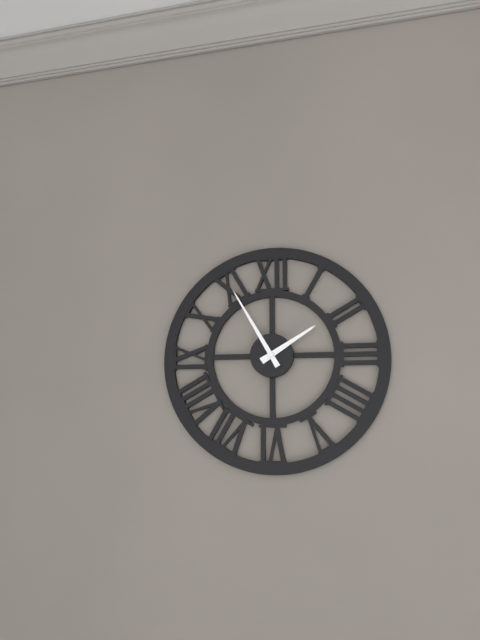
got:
**1:55**
